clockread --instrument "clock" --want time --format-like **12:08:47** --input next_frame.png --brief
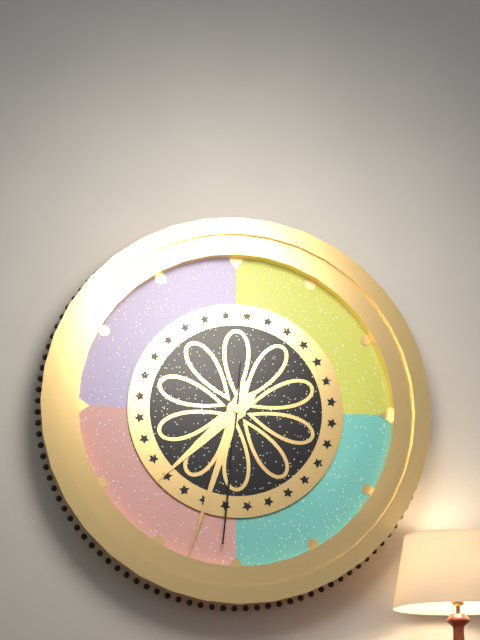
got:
**7:33:31**
